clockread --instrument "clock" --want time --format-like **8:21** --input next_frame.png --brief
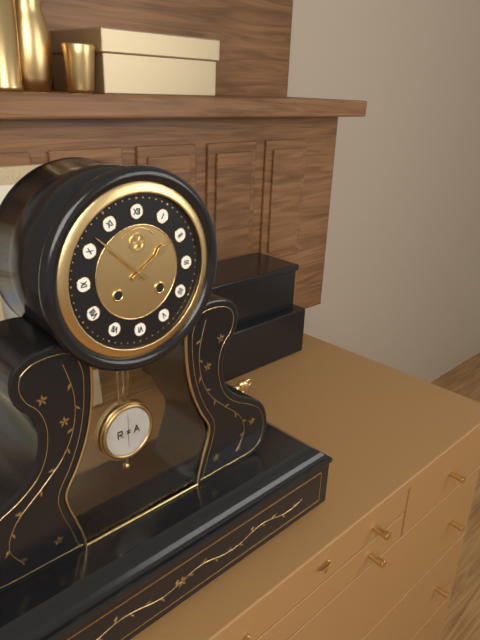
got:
**1:52**
